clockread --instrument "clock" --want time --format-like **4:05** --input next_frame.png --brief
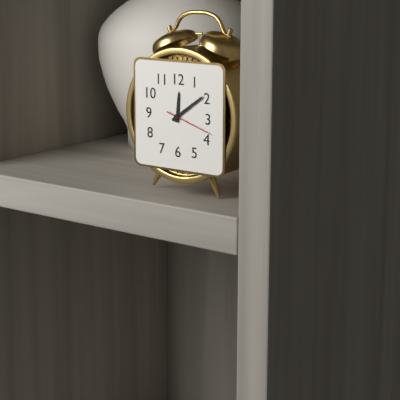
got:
**12:09**
